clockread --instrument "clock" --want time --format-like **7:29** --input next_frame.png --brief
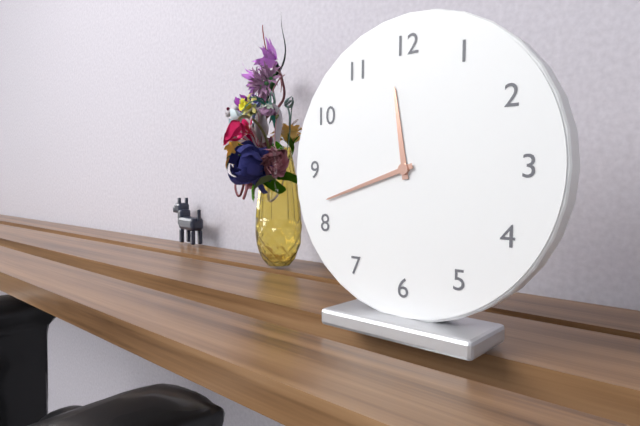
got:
**11:42**
